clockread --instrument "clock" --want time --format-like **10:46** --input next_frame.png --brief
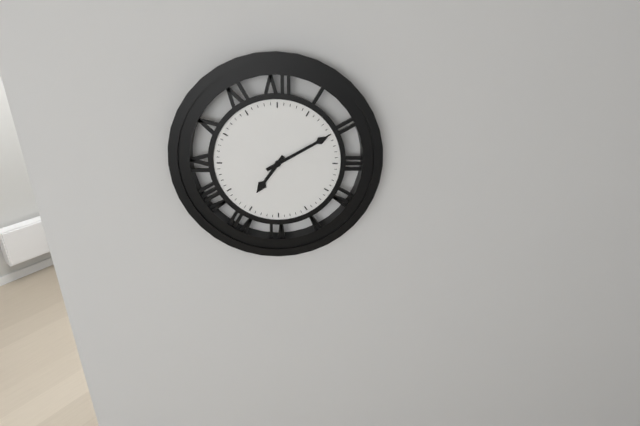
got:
**7:10**
